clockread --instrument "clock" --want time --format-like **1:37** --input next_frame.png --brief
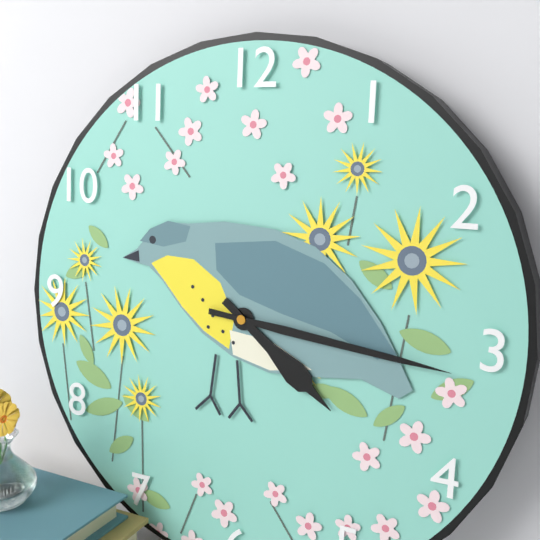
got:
**4:16**
